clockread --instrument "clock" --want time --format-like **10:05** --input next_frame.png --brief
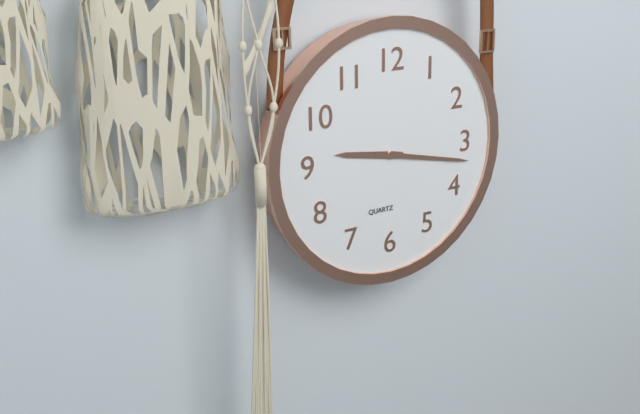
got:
**9:17**
